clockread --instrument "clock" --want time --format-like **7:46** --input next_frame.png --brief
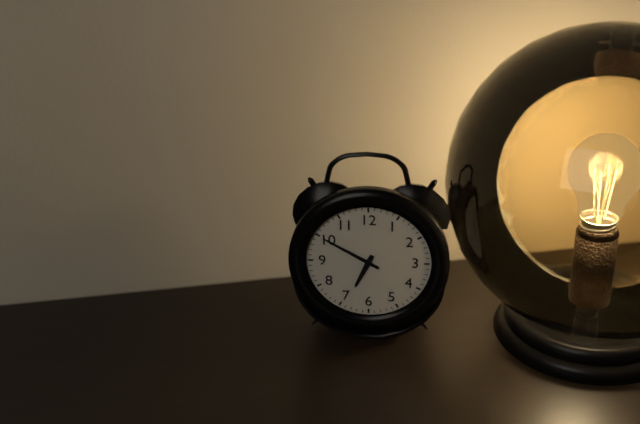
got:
**6:50**
